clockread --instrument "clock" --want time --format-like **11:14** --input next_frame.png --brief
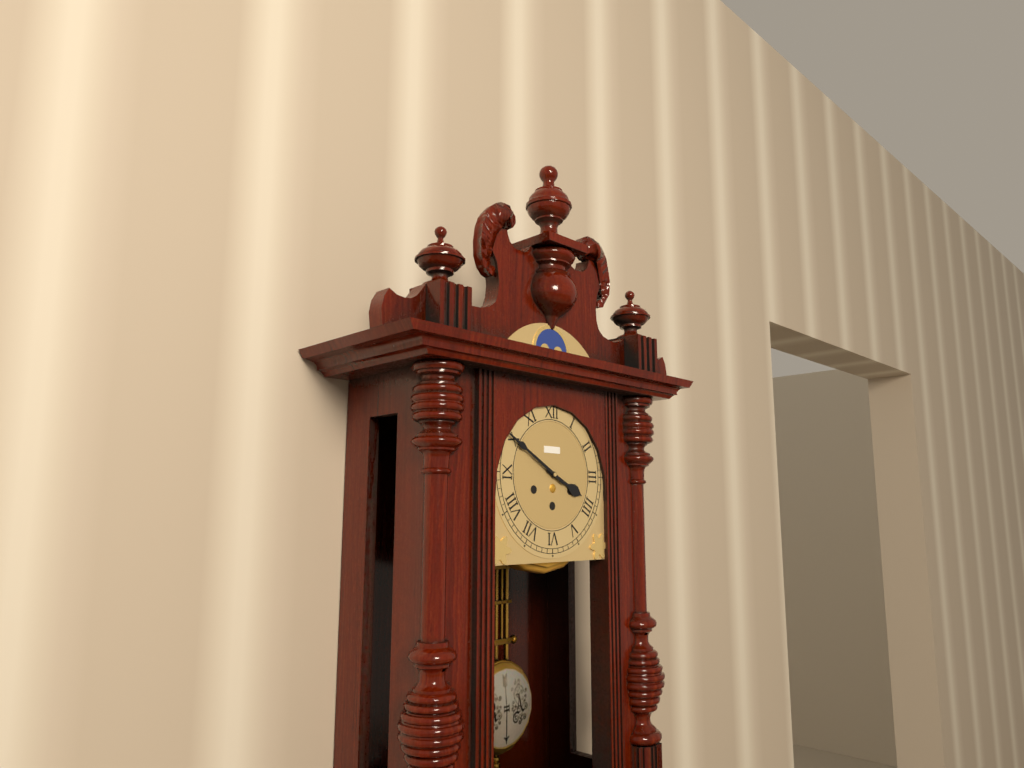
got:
**3:50**
